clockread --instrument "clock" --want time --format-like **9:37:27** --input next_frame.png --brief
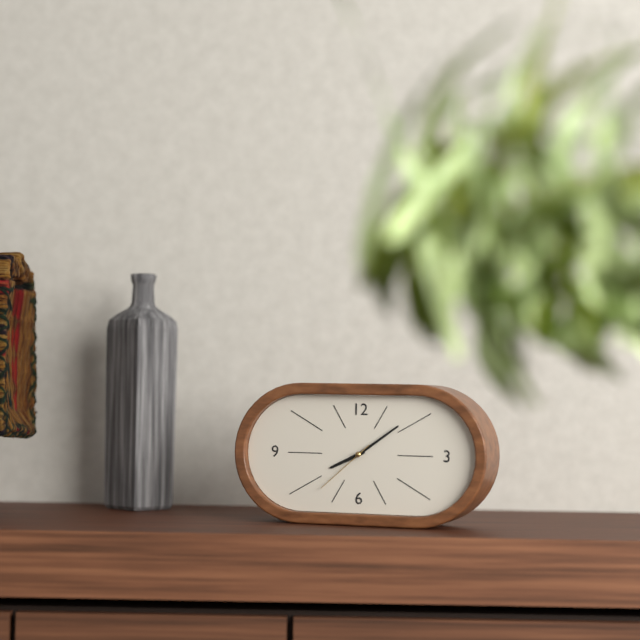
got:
**8:09:38**
